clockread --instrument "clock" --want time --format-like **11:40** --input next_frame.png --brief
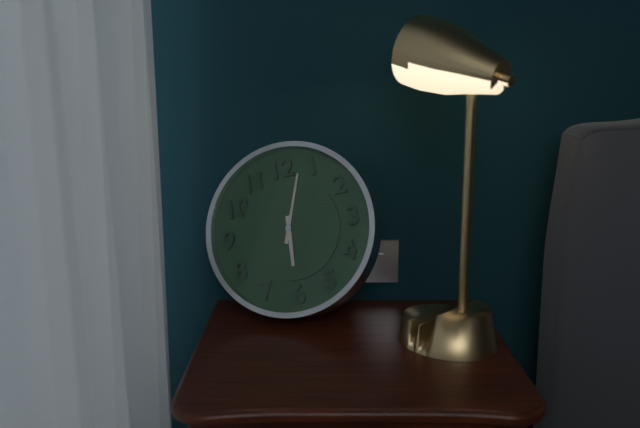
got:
**6:03**
